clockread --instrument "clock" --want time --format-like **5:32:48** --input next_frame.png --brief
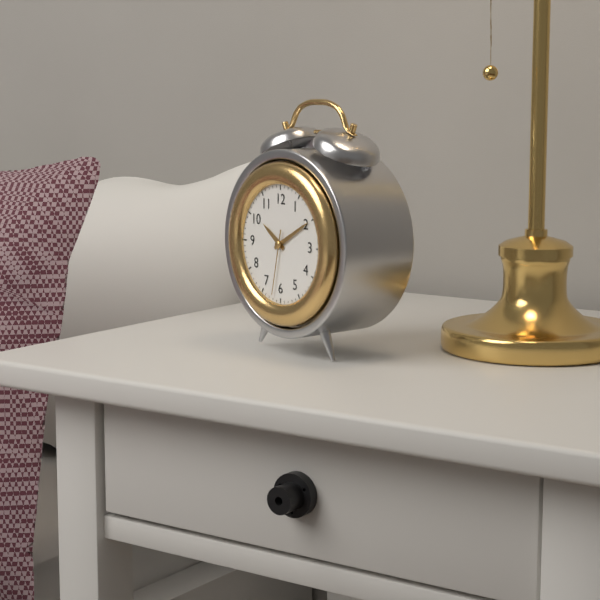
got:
**10:10:32**
